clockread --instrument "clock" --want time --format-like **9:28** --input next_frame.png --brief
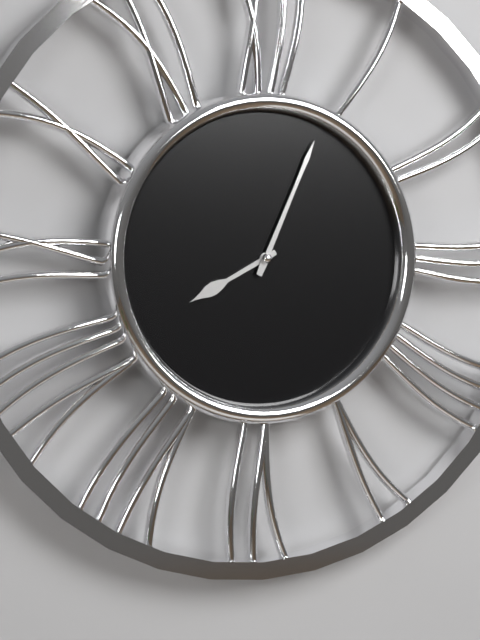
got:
**8:04**
